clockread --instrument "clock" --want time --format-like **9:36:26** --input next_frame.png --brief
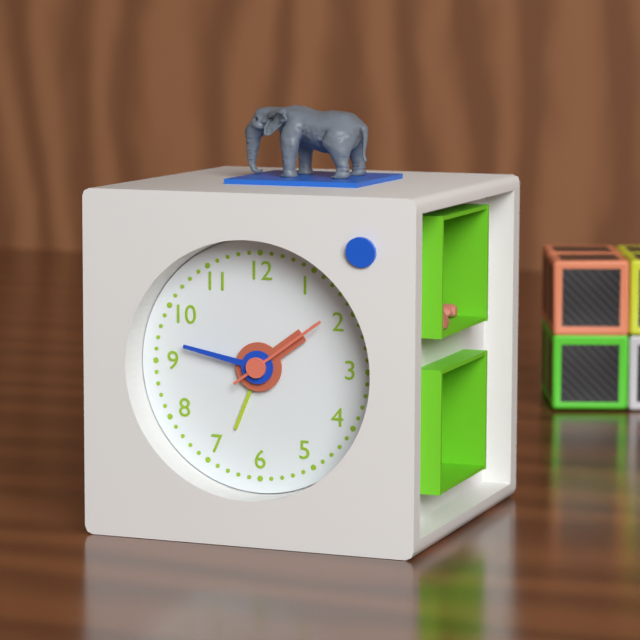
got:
**1:47:09**
